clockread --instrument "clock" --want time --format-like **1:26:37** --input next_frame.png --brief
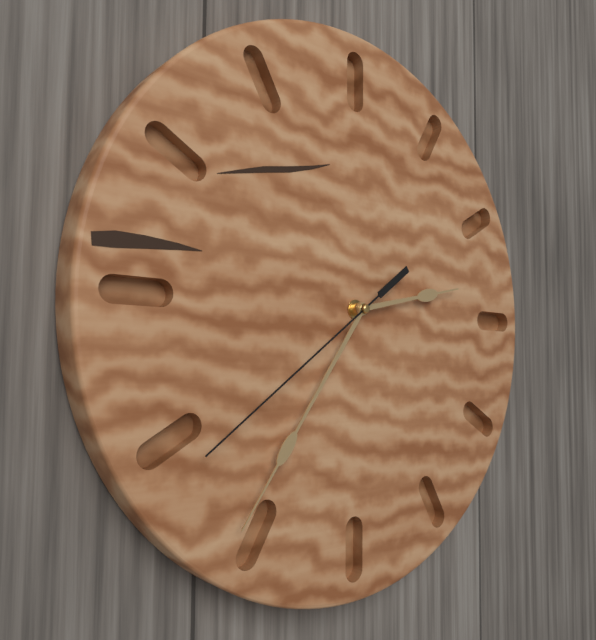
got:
**2:36:39**
